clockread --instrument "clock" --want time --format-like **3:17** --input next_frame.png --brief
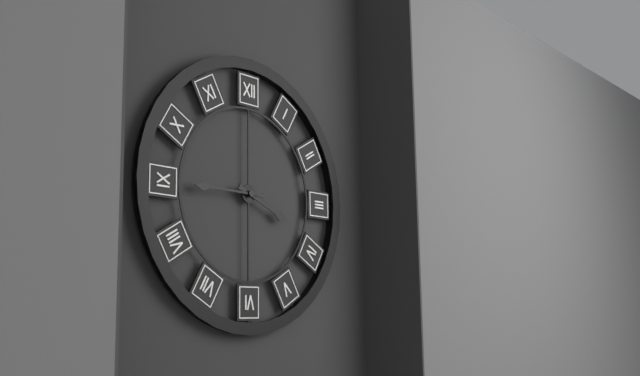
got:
**3:45**
